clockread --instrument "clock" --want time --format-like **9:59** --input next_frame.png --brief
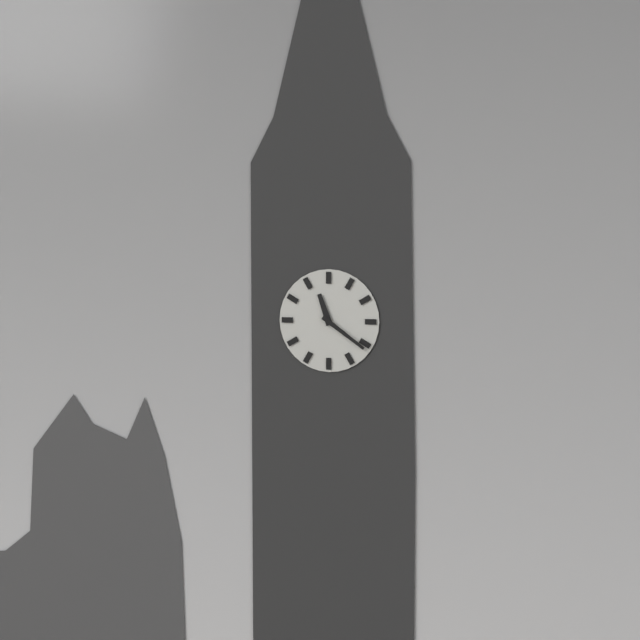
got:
**11:21**
